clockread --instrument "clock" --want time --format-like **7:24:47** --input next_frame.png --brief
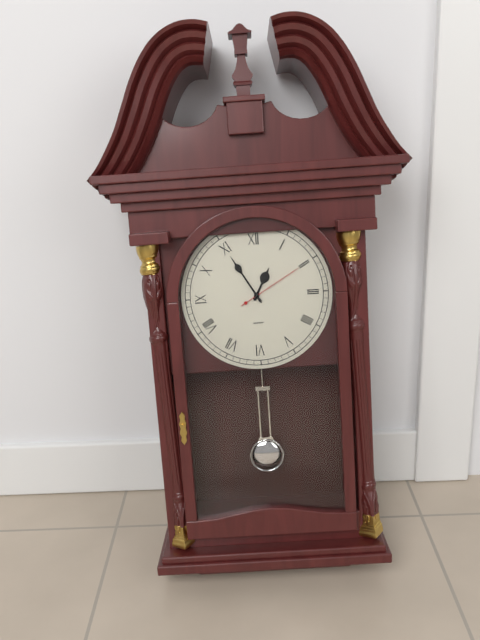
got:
**12:55:10**
